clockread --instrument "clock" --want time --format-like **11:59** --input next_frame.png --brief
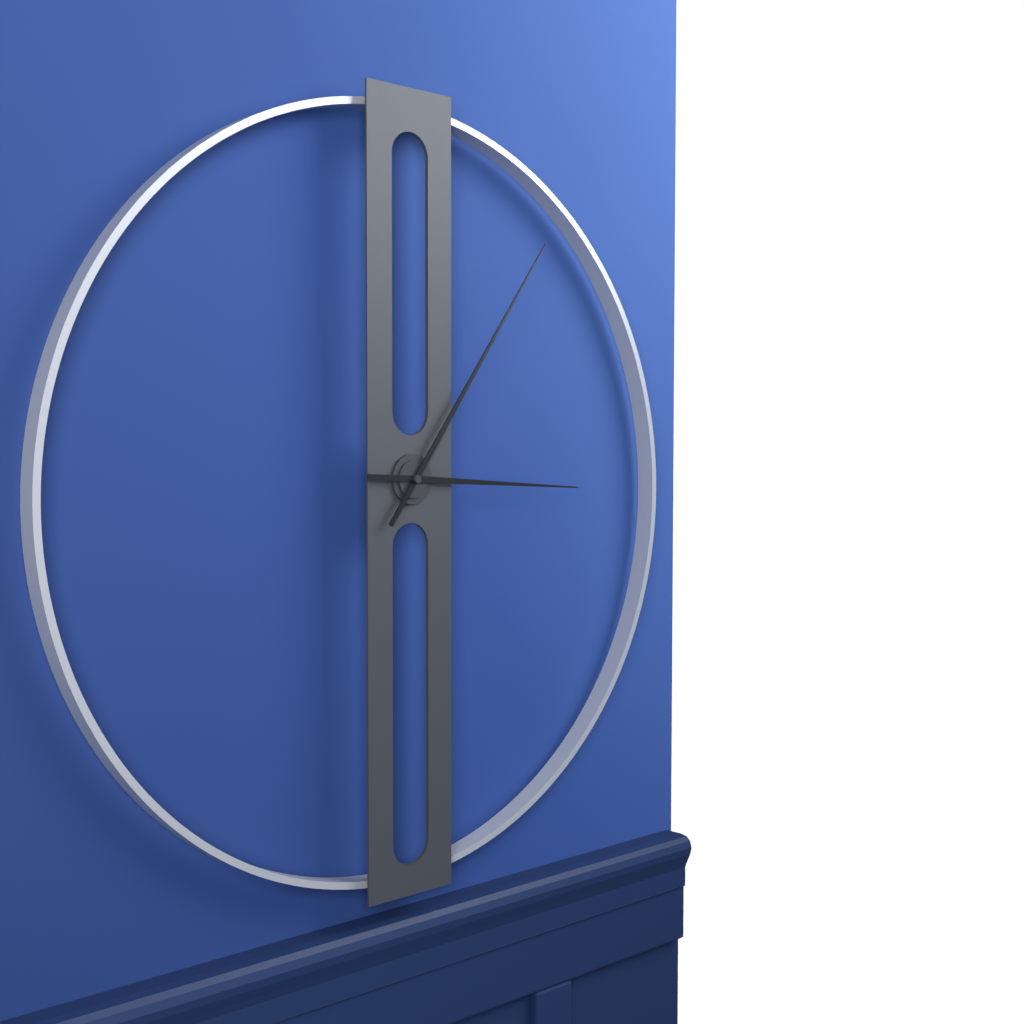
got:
**3:06**
